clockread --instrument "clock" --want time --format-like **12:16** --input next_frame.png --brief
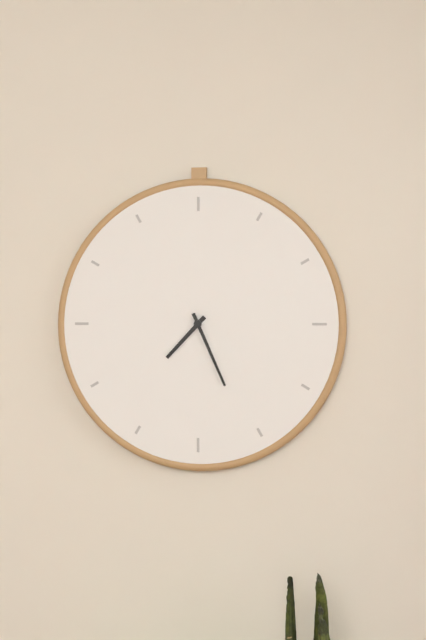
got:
**7:26**
